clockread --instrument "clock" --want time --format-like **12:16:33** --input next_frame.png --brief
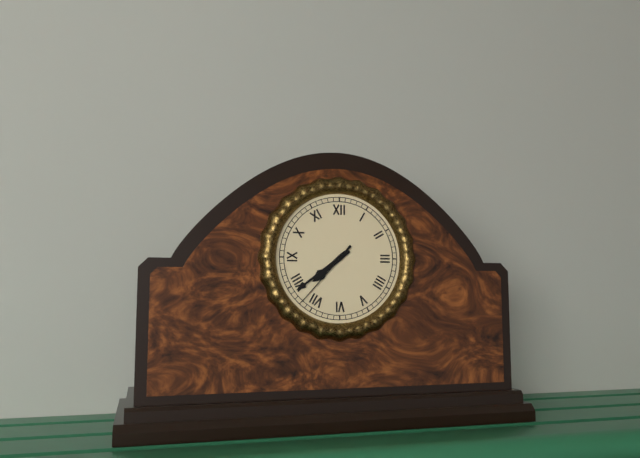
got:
**7:39:37**
